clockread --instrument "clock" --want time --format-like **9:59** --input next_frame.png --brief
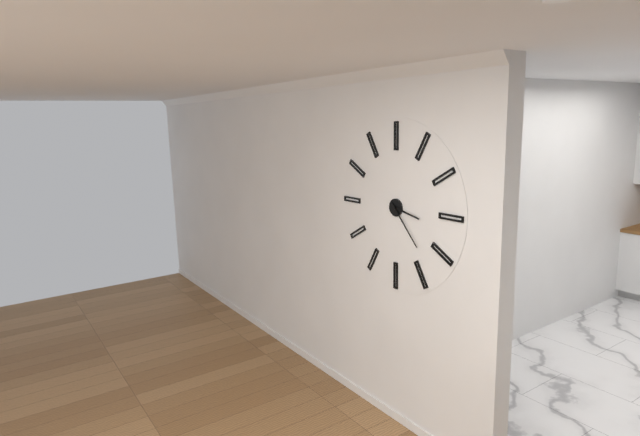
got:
**3:23**
